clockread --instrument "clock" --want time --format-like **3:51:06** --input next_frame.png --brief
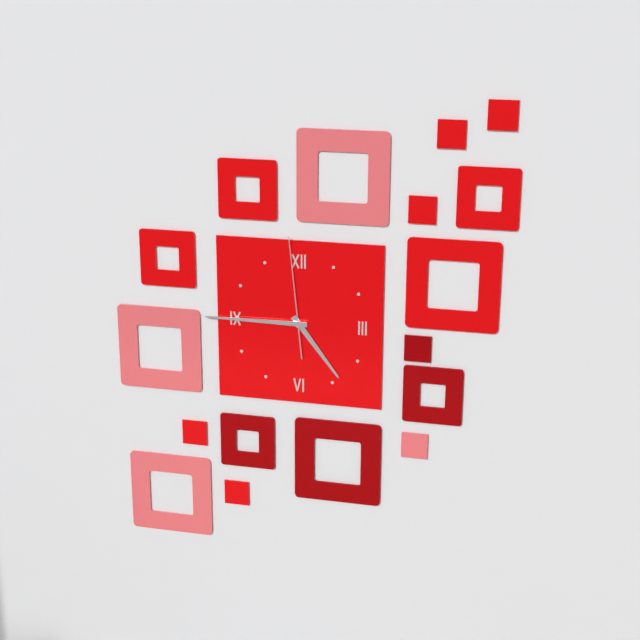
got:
**4:45:59**
